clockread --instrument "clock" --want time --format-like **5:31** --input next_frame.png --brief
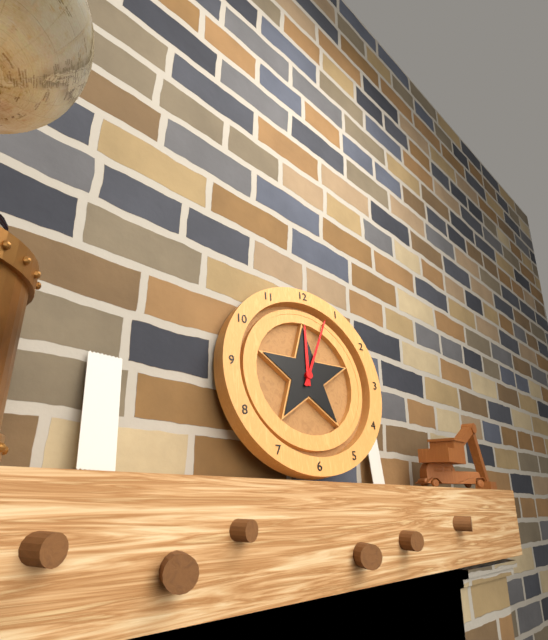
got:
**12:04**
